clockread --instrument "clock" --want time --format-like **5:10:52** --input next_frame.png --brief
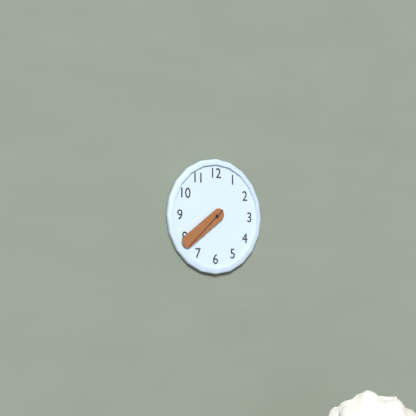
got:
**7:39:38**
